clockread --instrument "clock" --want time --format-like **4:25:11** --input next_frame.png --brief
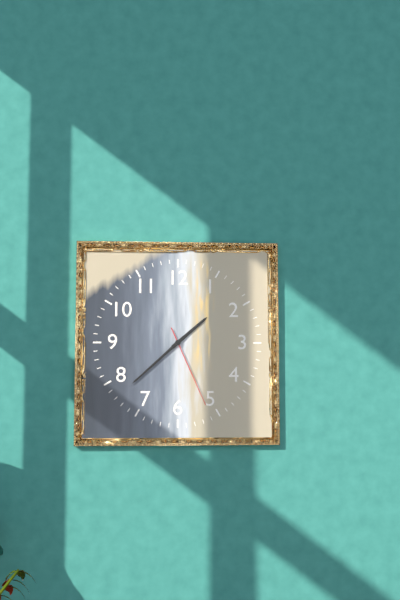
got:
**1:38:26**
